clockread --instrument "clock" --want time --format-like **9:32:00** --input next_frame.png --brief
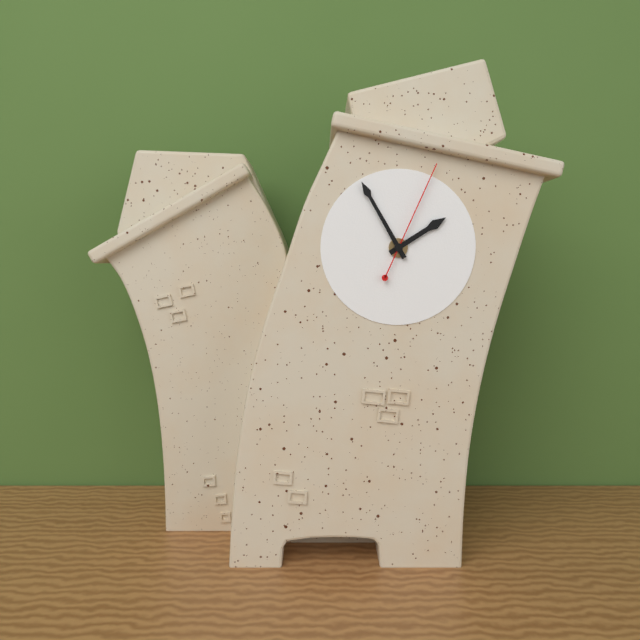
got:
**1:55:04**
